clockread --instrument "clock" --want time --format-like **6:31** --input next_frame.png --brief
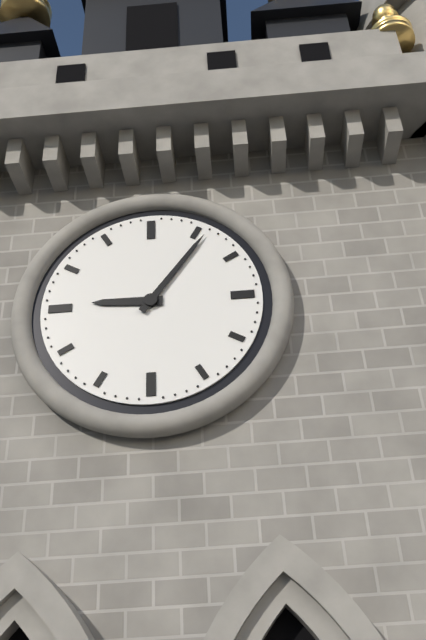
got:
**9:06**
